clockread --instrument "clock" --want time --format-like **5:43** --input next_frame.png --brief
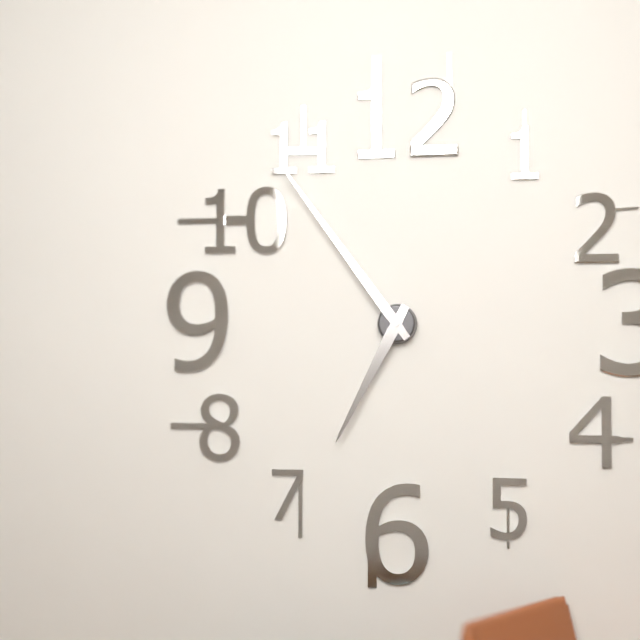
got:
**6:54**
